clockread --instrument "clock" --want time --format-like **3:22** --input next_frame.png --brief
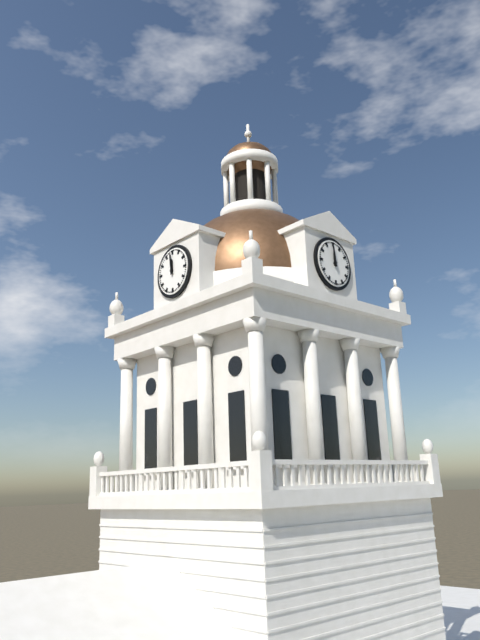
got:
**11:59**
